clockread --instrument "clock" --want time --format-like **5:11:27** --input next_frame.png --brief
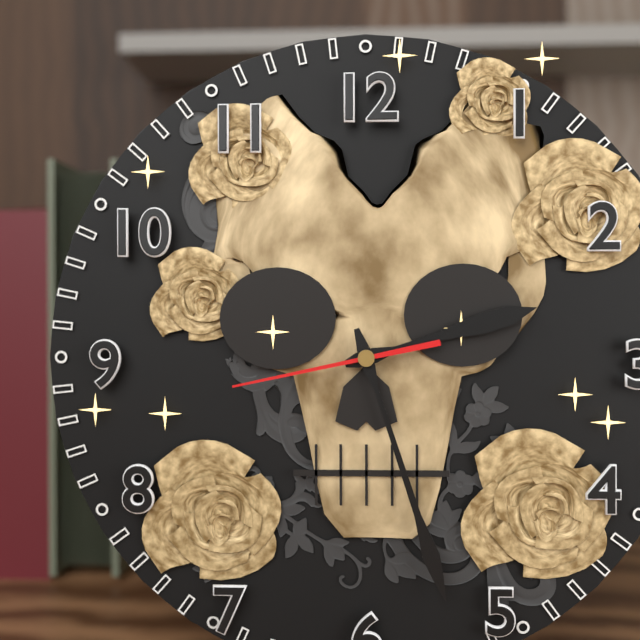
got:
**2:27:43**
